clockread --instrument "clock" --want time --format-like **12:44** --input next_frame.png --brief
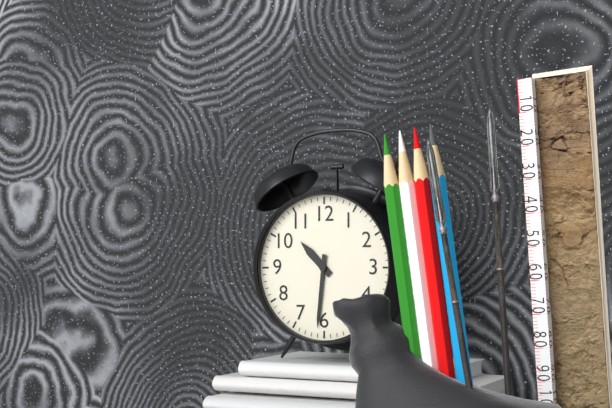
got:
**10:31**
